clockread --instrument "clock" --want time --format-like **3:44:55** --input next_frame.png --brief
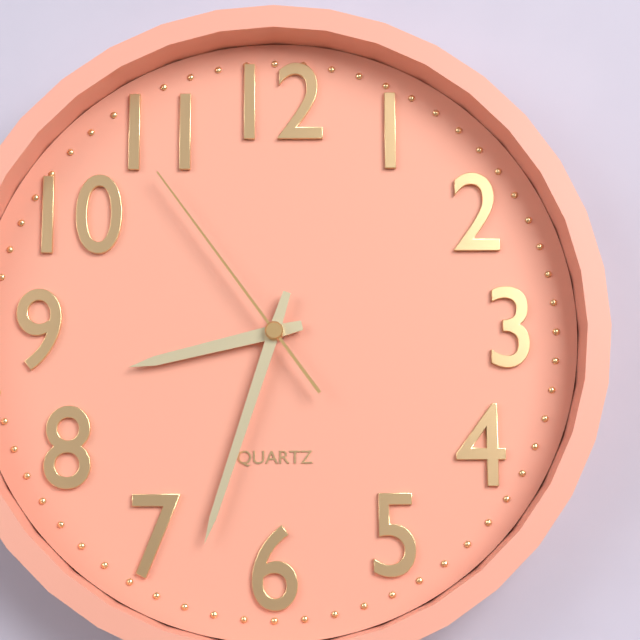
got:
**8:33:54**
